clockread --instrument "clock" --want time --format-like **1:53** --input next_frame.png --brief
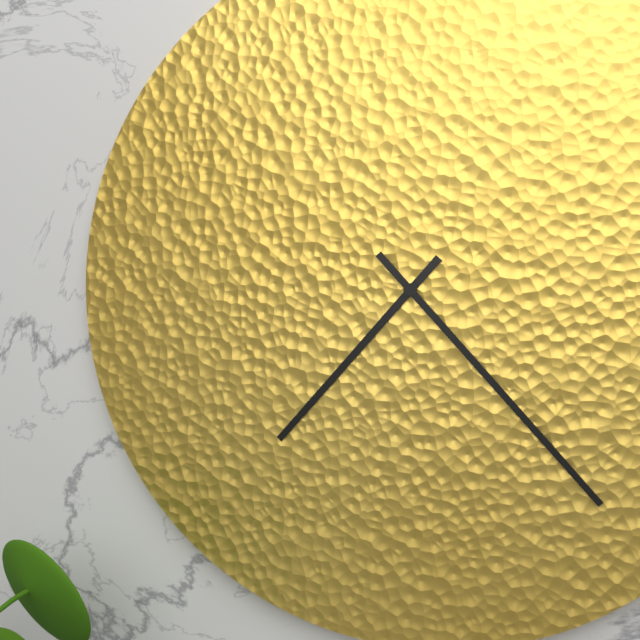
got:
**7:23**
